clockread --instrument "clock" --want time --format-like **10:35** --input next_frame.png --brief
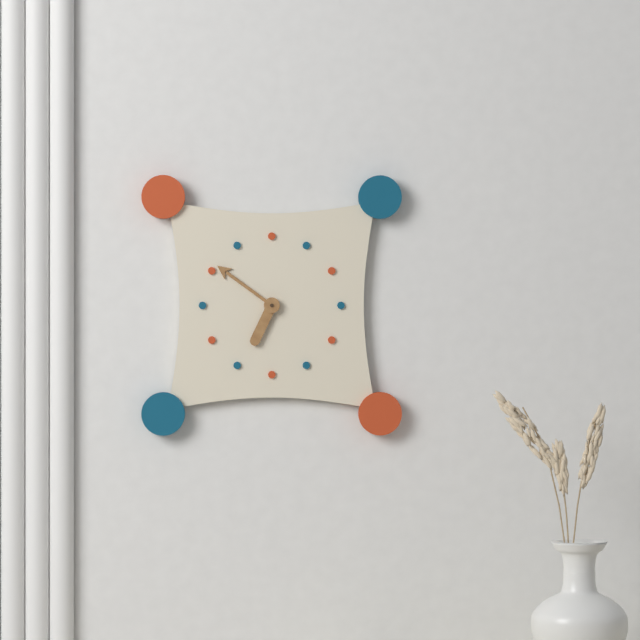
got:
**6:51**
